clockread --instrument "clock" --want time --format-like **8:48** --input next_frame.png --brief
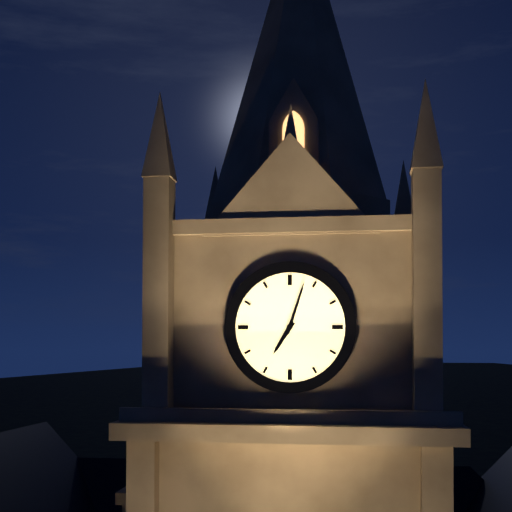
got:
**7:03**
